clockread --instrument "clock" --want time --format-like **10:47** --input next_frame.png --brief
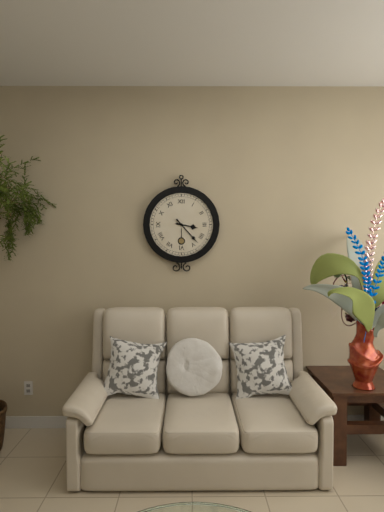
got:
**3:23**
